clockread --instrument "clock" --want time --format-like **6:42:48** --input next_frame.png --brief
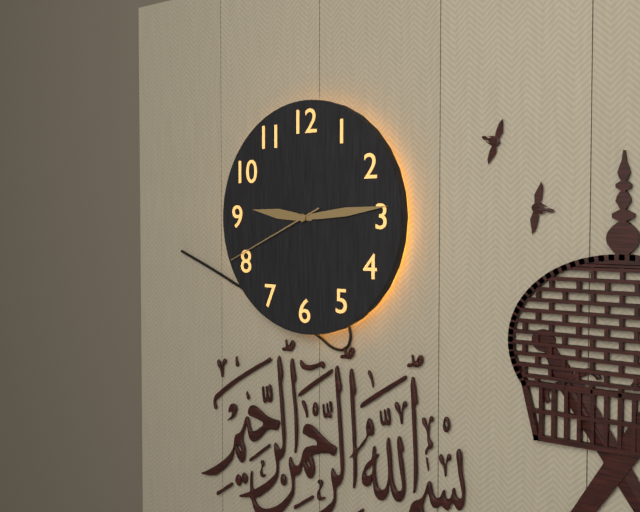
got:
**9:14:41**
